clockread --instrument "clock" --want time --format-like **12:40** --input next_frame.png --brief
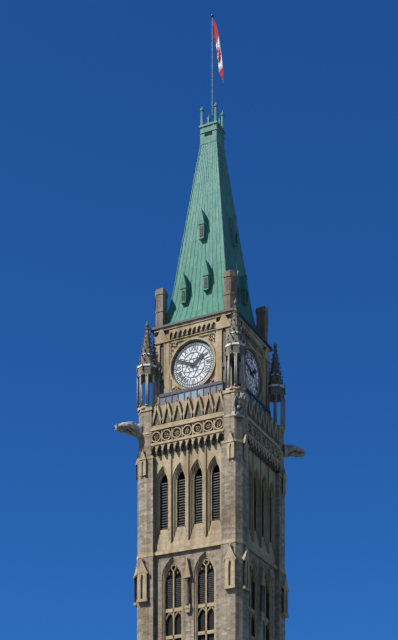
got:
**1:49**
